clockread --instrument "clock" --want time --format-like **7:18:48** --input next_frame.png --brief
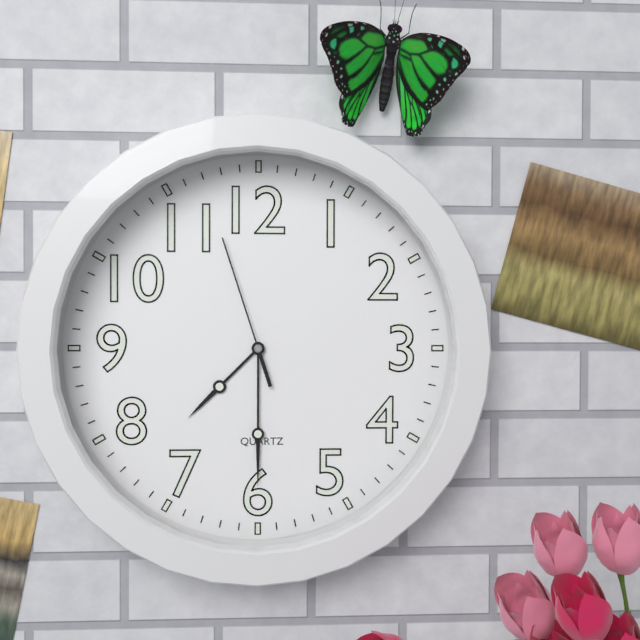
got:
**7:30:57**
